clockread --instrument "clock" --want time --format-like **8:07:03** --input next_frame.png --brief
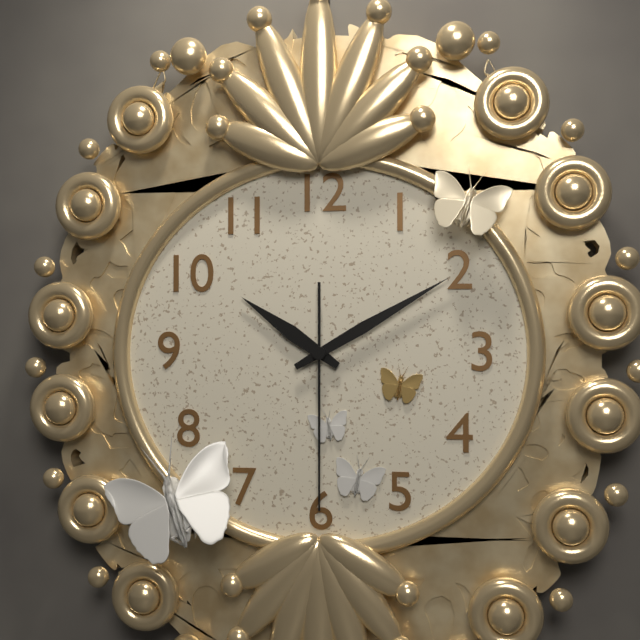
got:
**10:10:30**
